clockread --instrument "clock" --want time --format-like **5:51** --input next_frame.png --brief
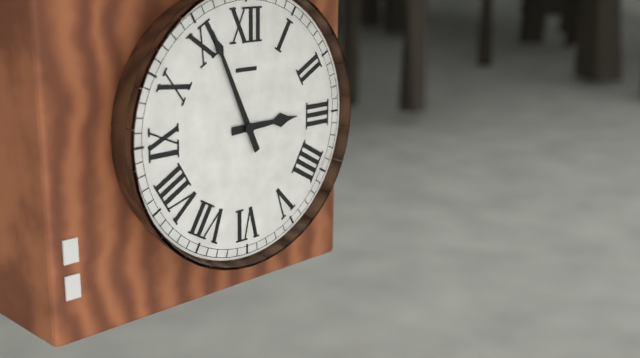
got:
**2:56**
